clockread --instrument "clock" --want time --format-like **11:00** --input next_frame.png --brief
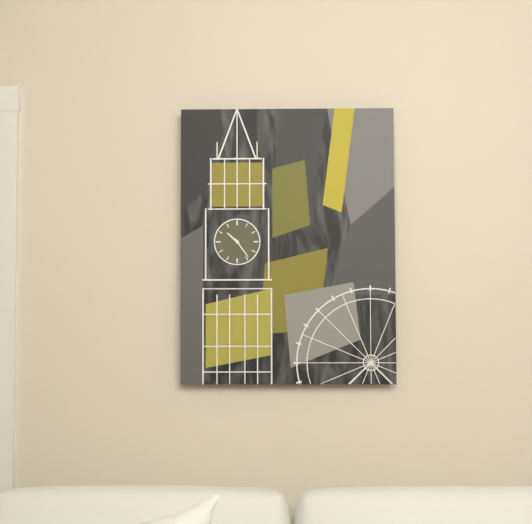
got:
**10:24**
